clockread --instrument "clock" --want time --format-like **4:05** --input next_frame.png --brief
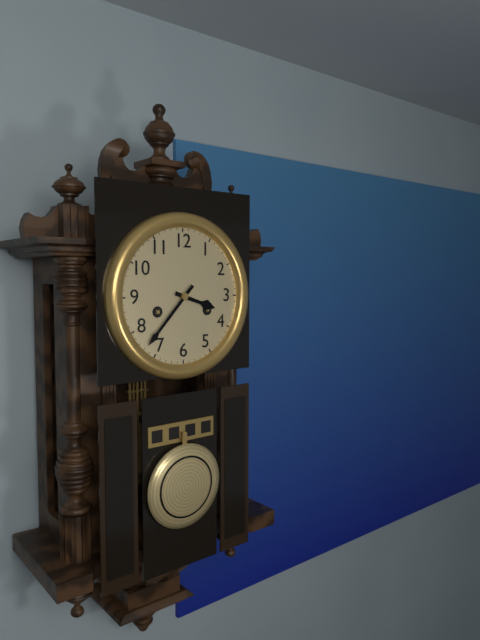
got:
**3:37**
